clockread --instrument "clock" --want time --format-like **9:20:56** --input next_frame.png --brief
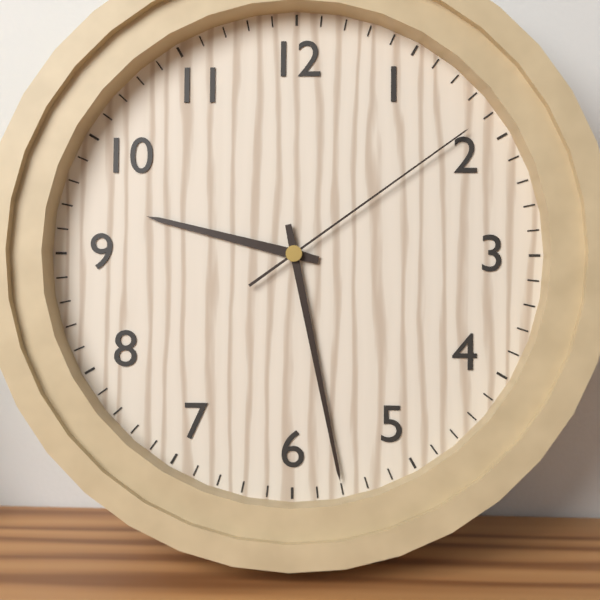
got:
**9:28:09**
